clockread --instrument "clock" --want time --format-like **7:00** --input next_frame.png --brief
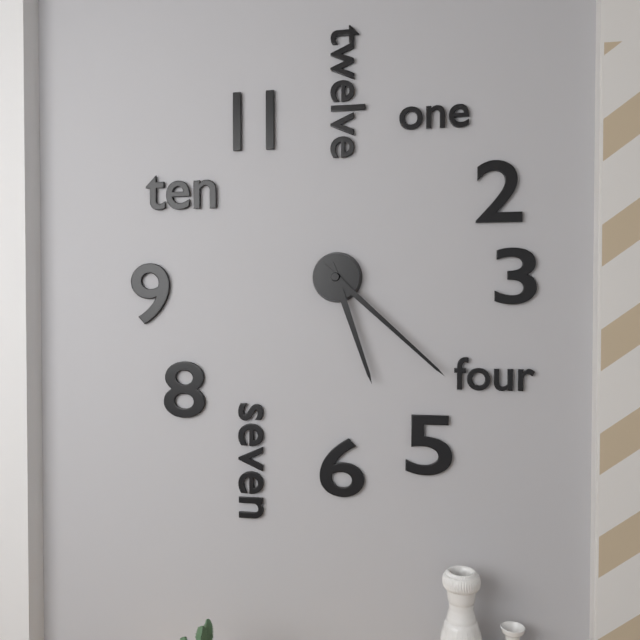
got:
**5:22**
